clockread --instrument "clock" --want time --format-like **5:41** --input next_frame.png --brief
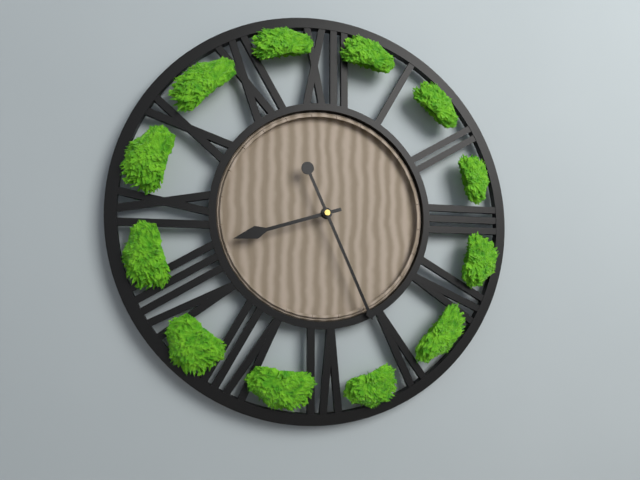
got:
**8:26**
